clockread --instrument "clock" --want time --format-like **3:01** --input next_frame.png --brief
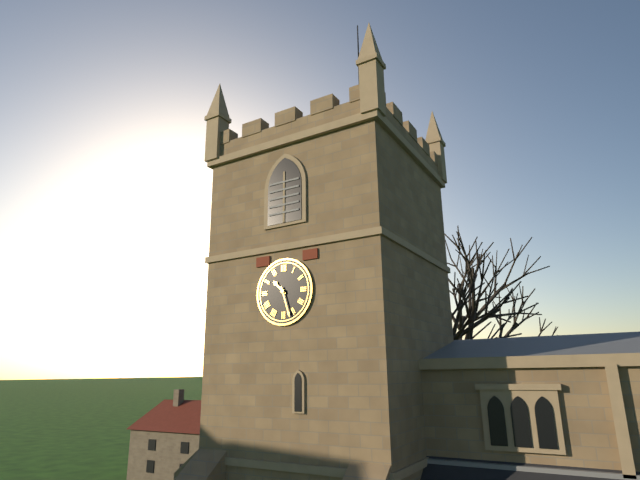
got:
**10:27**
